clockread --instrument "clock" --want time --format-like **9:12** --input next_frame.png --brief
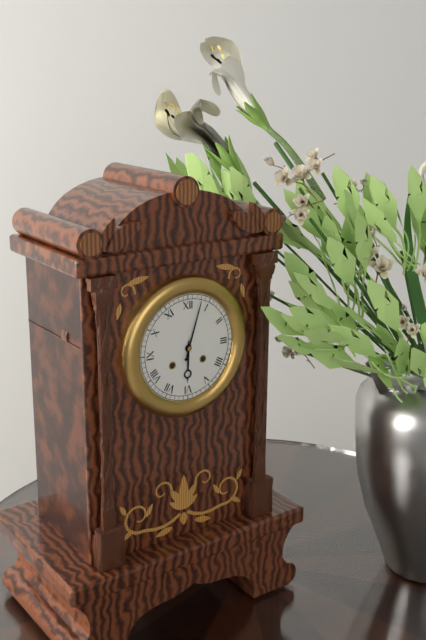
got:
**6:03**
